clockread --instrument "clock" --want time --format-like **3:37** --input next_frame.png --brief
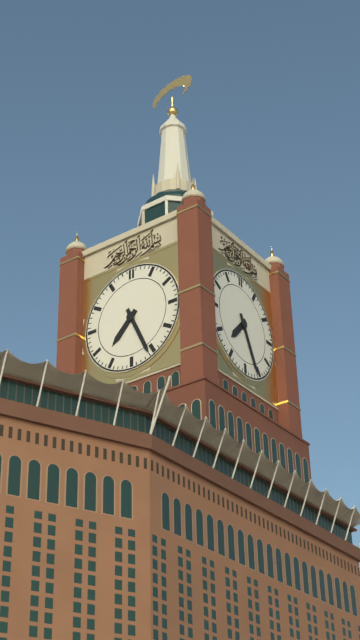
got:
**7:26**
